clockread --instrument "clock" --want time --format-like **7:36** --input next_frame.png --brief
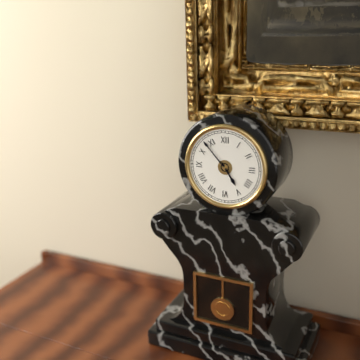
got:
**4:53**
